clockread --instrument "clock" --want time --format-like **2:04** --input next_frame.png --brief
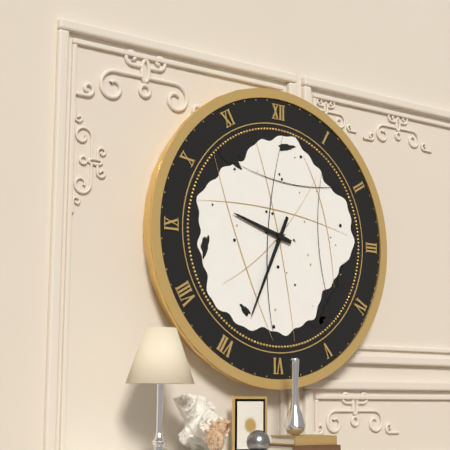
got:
**9:34**
